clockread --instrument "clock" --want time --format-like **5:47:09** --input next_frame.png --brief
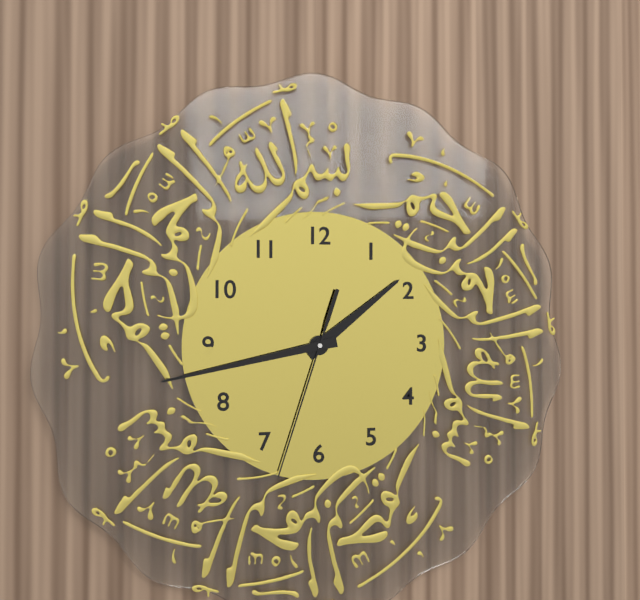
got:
**1:43:33**
